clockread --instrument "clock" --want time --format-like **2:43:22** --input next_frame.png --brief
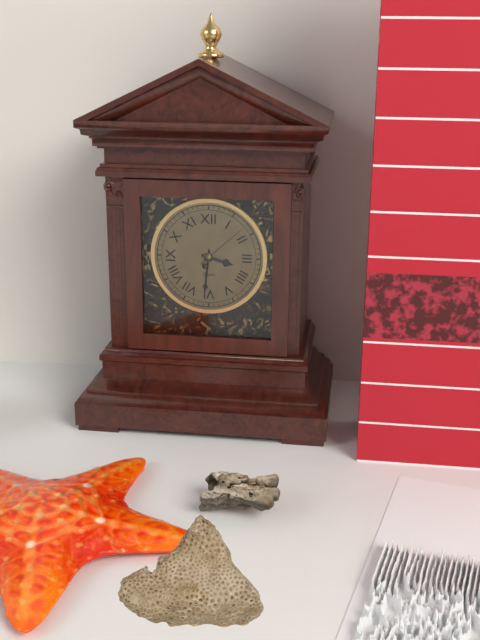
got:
**3:31:08**
